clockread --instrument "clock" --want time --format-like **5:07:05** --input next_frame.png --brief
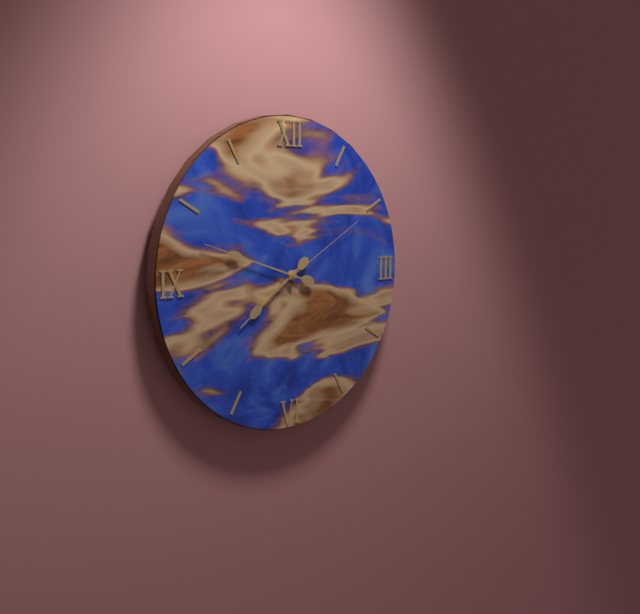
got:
**7:48:10**
